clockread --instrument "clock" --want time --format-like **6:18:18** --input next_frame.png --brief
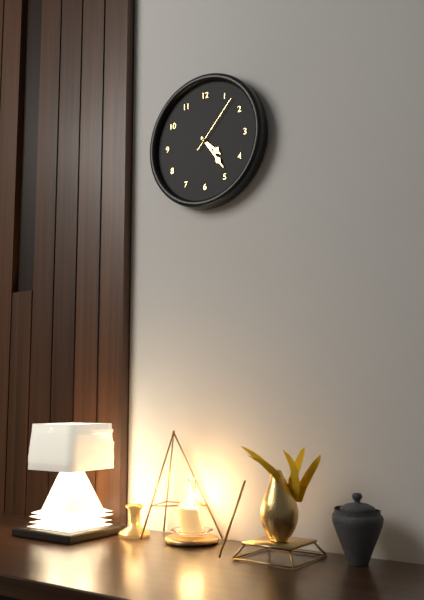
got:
**4:24:07**
